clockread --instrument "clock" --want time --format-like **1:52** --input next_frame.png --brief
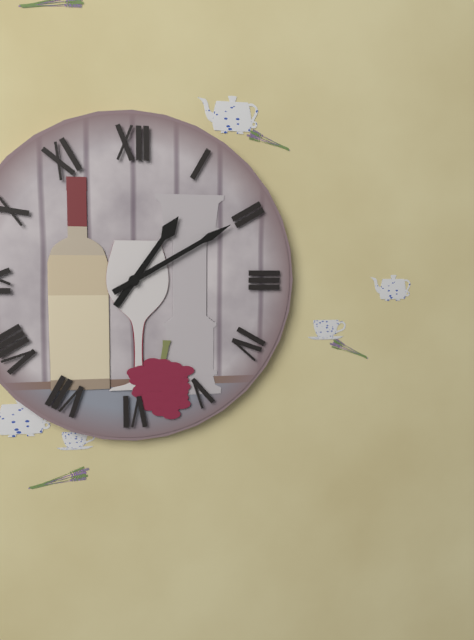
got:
**1:10**
